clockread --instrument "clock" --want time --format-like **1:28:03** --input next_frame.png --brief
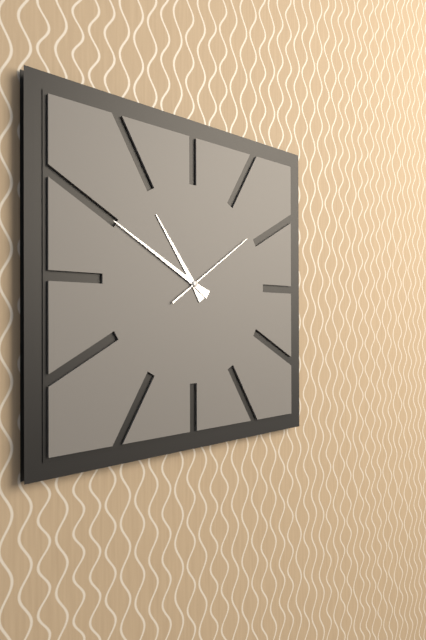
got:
**10:50:09**
